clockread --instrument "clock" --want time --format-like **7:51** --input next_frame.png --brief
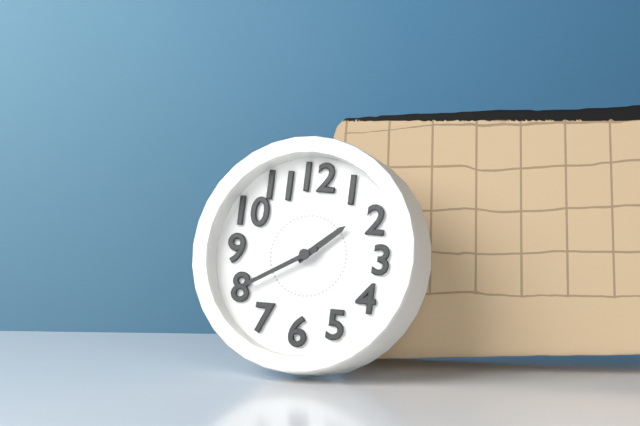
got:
**1:40**
